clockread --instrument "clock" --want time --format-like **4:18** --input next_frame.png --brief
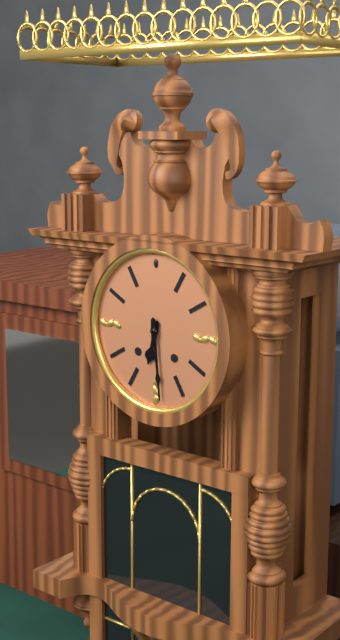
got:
**6:29**
